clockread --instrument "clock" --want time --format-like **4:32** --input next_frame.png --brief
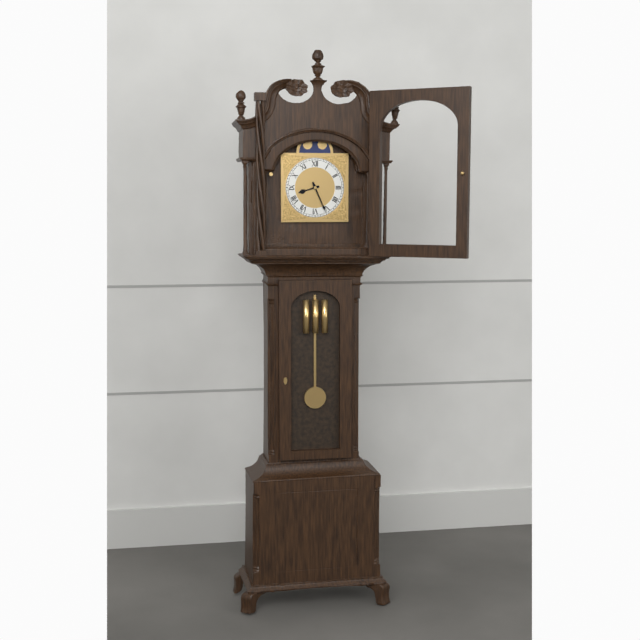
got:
**8:26**
